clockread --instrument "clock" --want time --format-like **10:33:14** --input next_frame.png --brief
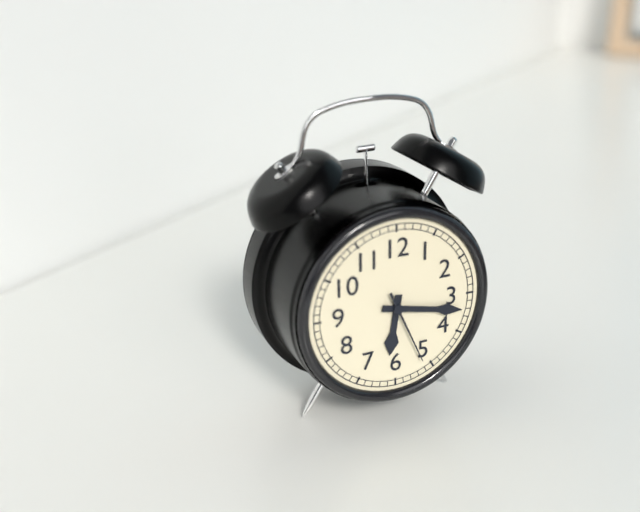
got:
**6:17:26**
